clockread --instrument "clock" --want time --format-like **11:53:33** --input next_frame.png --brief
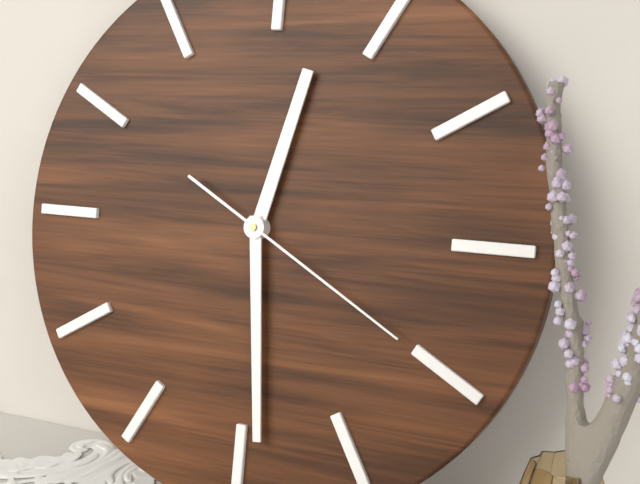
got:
**12:29:20**
